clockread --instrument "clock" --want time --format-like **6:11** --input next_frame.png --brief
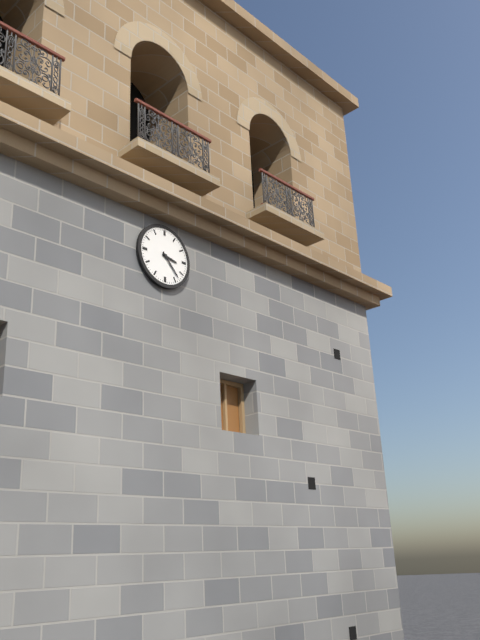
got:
**3:23**
